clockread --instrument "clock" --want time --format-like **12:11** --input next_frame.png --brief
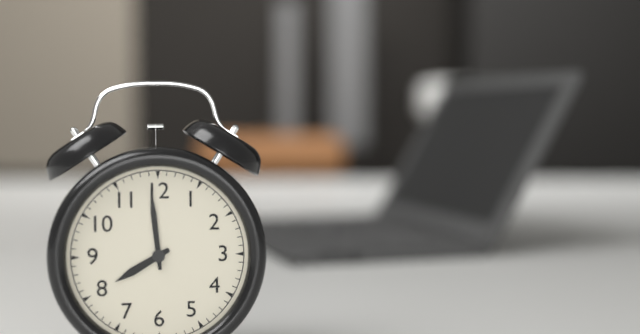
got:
**7:59**
